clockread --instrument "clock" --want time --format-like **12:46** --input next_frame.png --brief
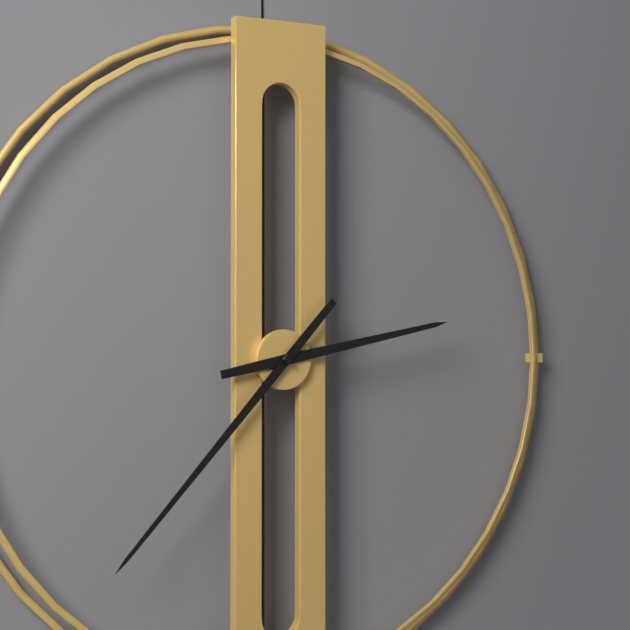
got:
**2:37**
